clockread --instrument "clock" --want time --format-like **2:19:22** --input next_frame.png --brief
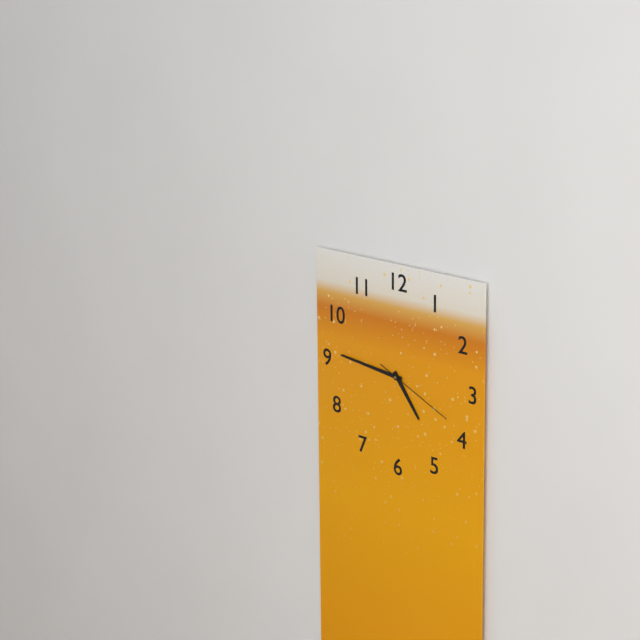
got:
**4:46:19**
